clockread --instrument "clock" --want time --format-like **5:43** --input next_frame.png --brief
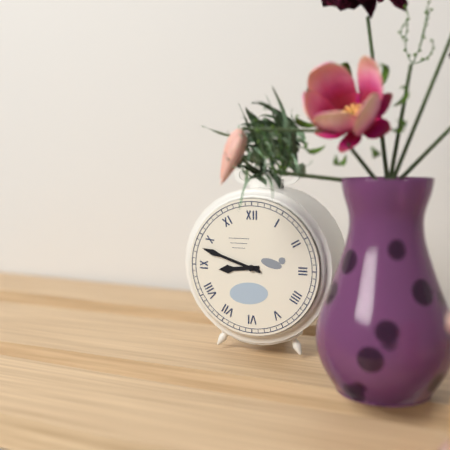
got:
**8:48**
